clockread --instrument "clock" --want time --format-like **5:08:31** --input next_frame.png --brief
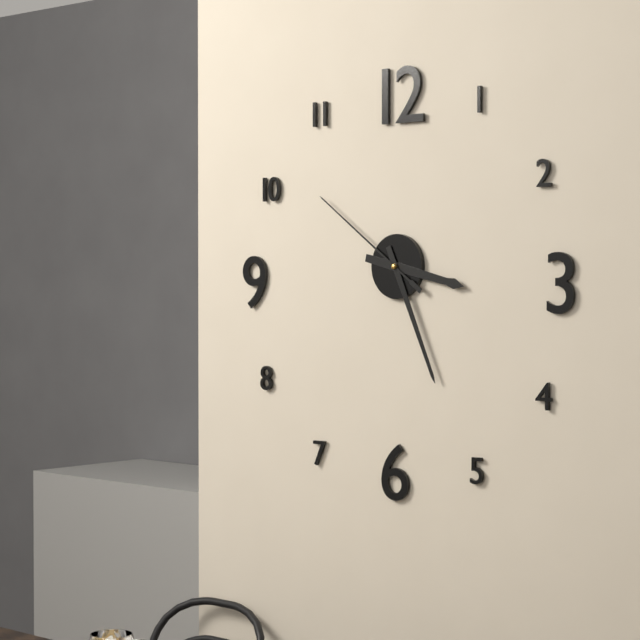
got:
**3:26:51**
